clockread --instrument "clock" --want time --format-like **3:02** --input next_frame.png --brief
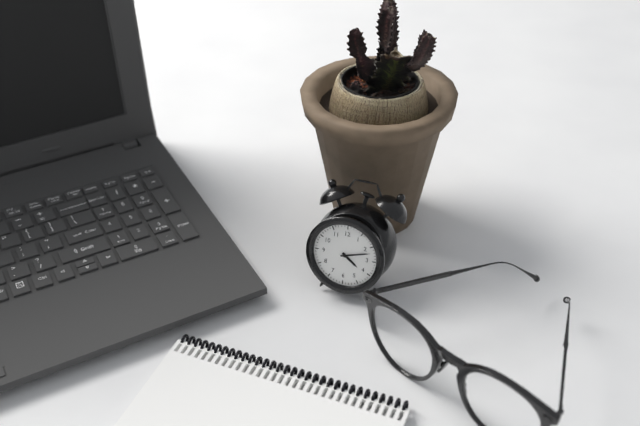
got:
**4:12**
